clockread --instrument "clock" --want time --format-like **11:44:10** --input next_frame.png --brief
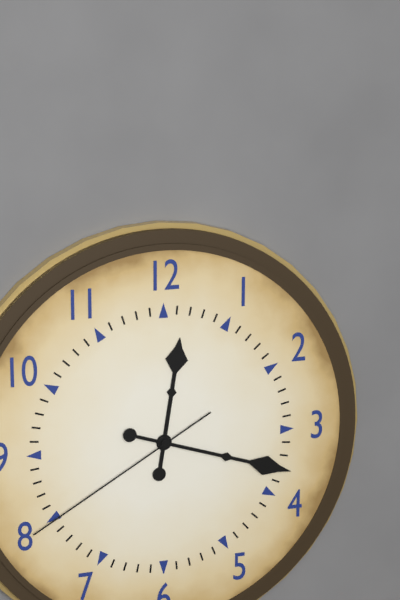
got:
**12:18:40**
